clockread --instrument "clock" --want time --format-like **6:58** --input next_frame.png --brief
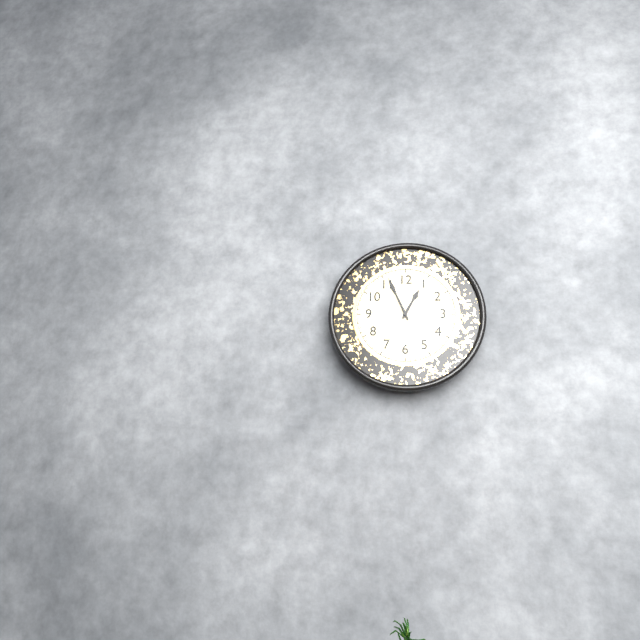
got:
**12:56**
